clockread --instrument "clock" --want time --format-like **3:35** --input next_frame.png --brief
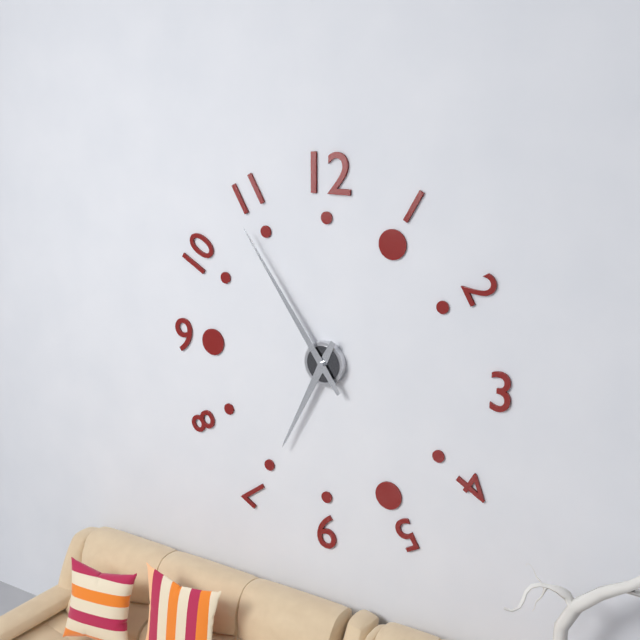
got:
**6:54**
